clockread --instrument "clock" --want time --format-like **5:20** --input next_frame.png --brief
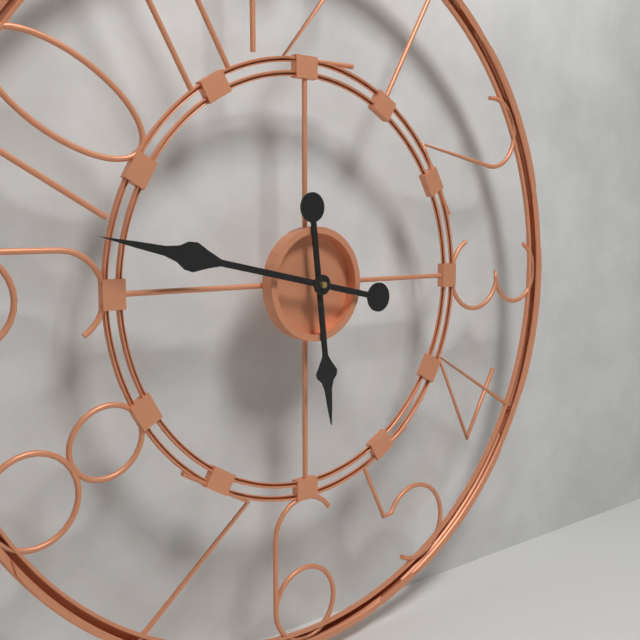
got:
**5:47**
